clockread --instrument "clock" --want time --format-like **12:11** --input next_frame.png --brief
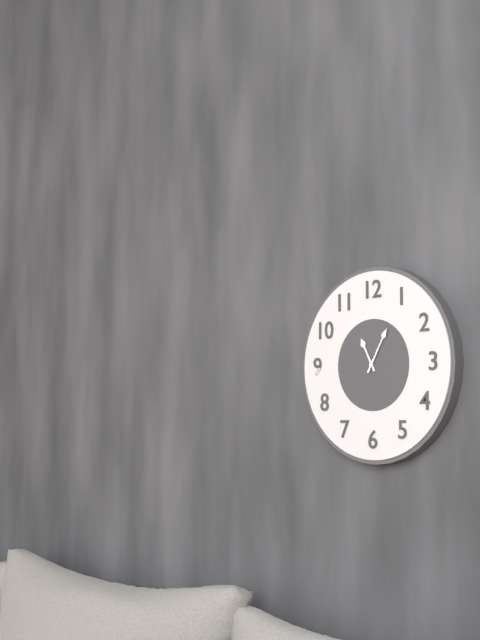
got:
**11:05**
